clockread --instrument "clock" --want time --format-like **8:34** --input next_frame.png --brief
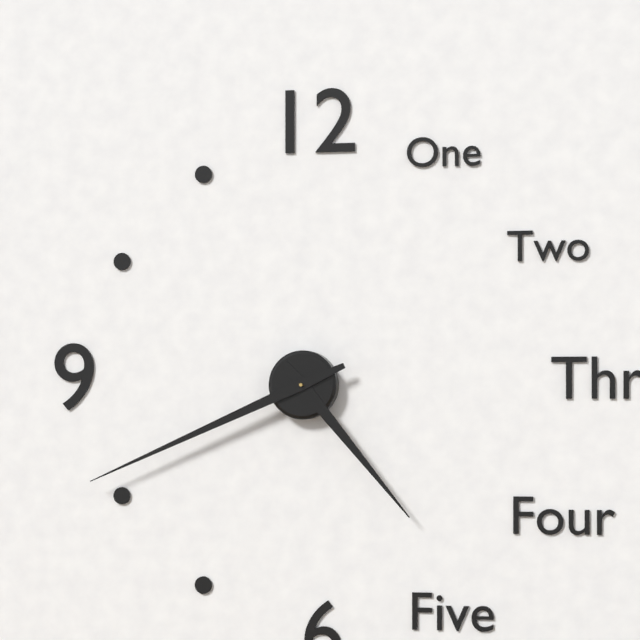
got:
**4:41**
